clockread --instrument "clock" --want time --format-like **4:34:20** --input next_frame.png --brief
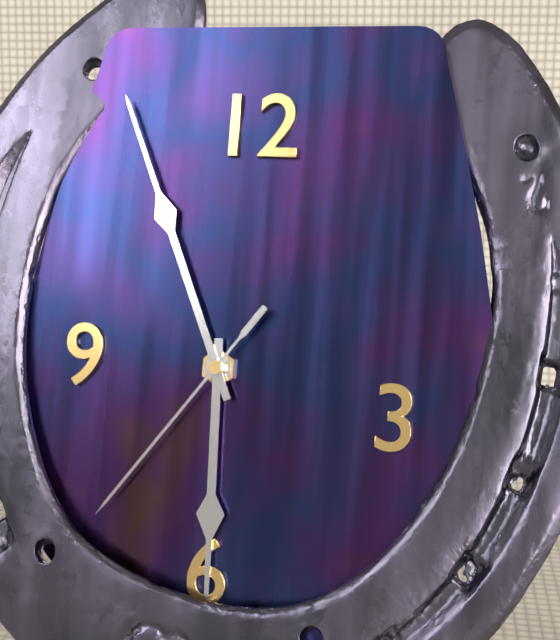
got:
**5:56:36**
